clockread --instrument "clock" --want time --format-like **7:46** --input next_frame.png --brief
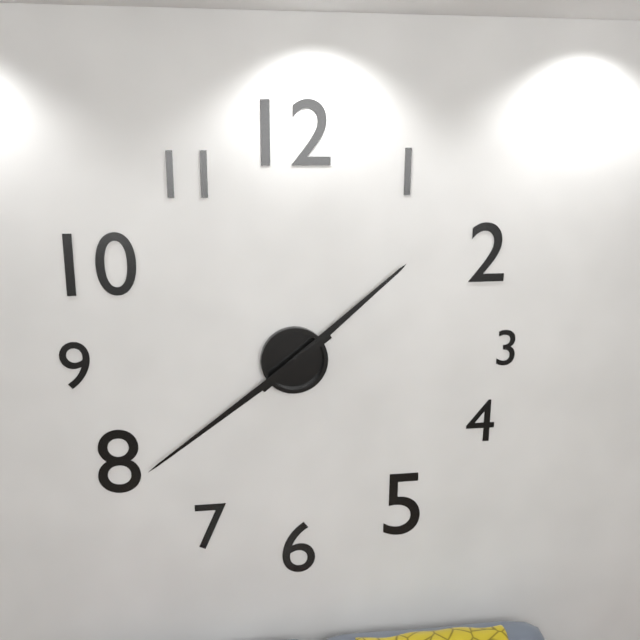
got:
**1:39**
